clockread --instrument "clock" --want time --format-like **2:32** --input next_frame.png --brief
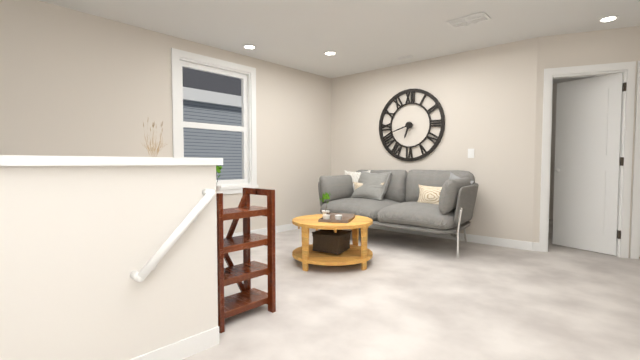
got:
**6:42**
